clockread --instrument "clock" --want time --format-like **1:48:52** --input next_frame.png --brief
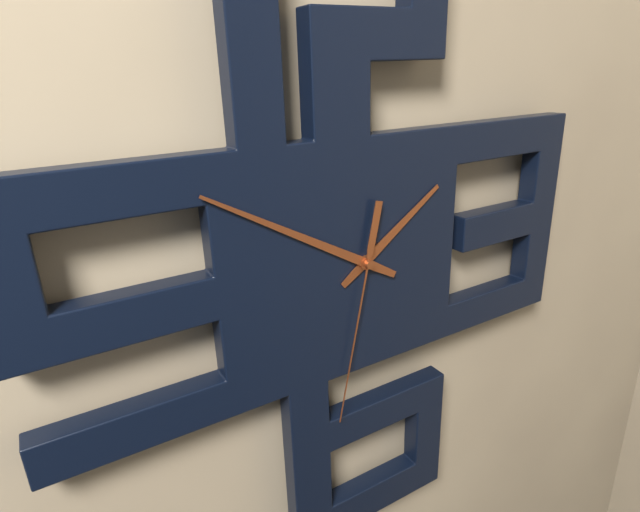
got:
**1:50:32**
